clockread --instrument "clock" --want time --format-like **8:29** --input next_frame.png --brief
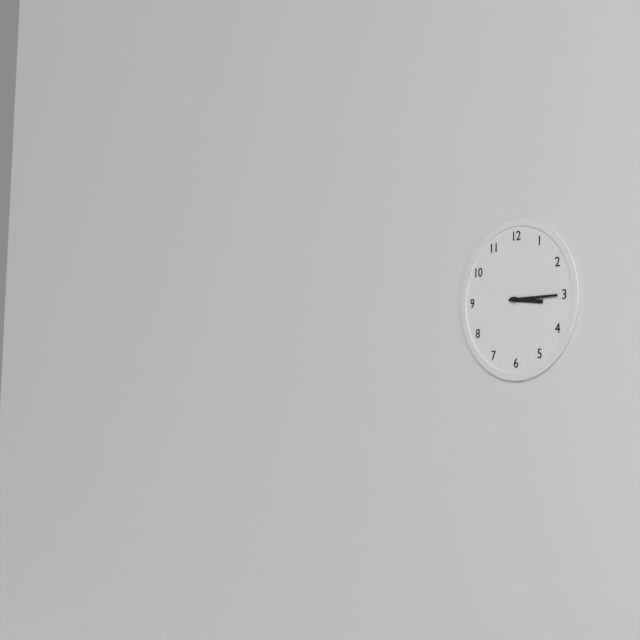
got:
**3:15**
